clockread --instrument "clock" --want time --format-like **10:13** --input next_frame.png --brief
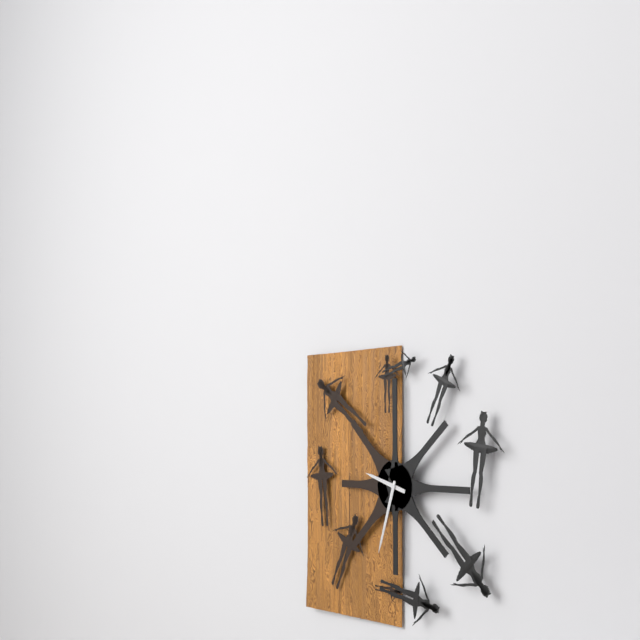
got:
**9:33**
